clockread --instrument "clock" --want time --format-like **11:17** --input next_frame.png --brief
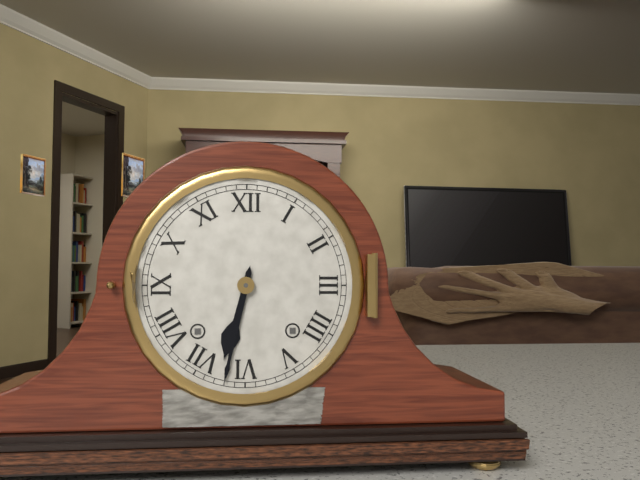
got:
**6:32**
